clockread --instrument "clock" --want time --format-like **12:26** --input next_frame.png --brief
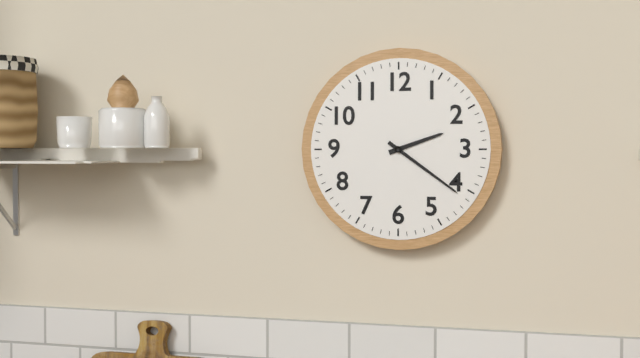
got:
**2:21**
